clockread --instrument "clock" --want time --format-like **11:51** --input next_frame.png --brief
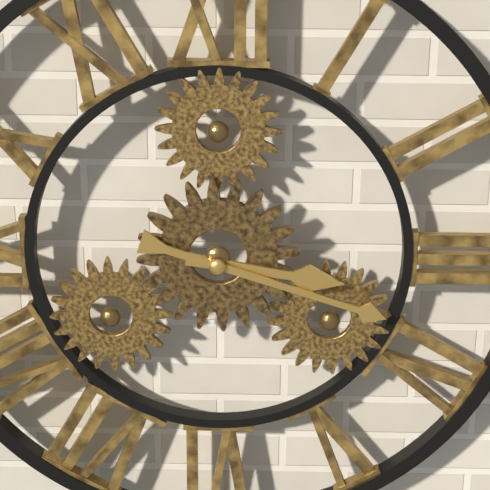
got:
**3:18**
